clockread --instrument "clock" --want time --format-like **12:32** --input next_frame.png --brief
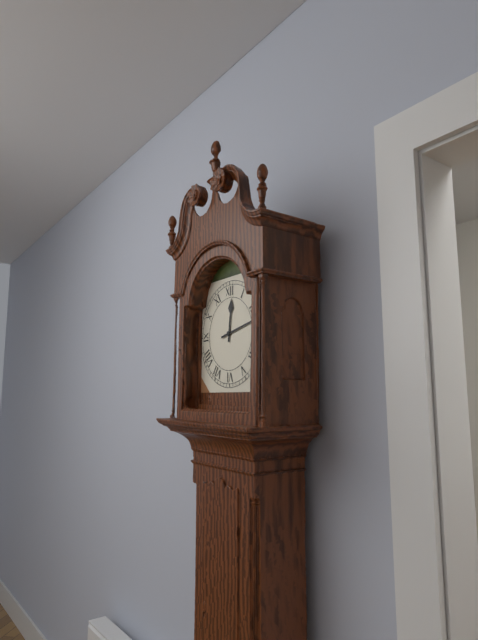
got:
**12:13**
